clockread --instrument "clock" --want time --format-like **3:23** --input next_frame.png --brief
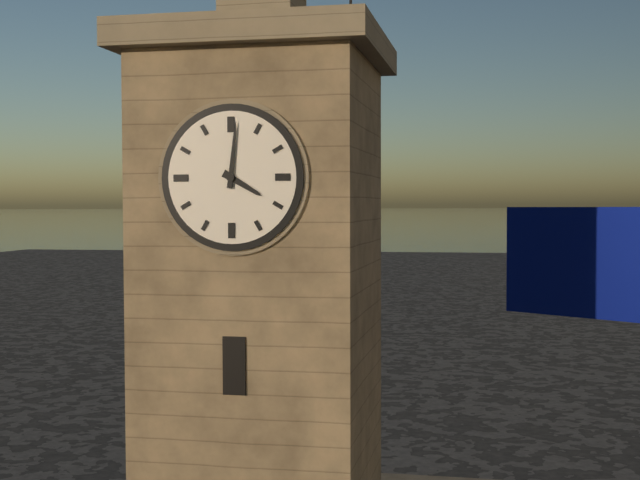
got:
**4:01**
